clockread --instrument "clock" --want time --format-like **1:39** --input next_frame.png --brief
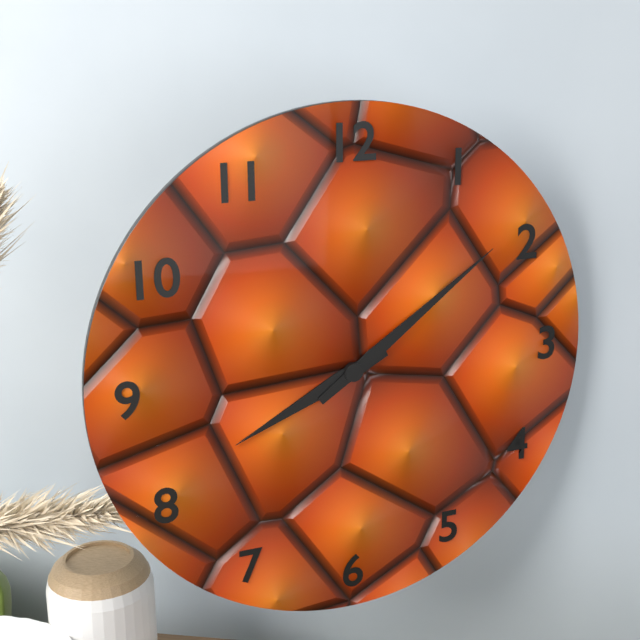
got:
**8:09**
